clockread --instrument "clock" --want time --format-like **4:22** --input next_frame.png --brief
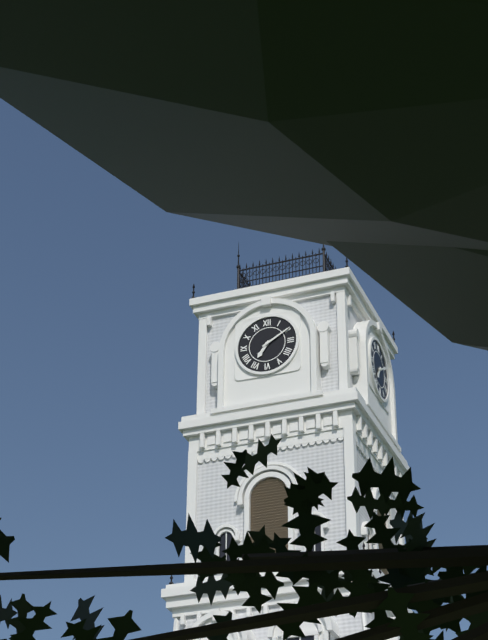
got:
**7:10**
